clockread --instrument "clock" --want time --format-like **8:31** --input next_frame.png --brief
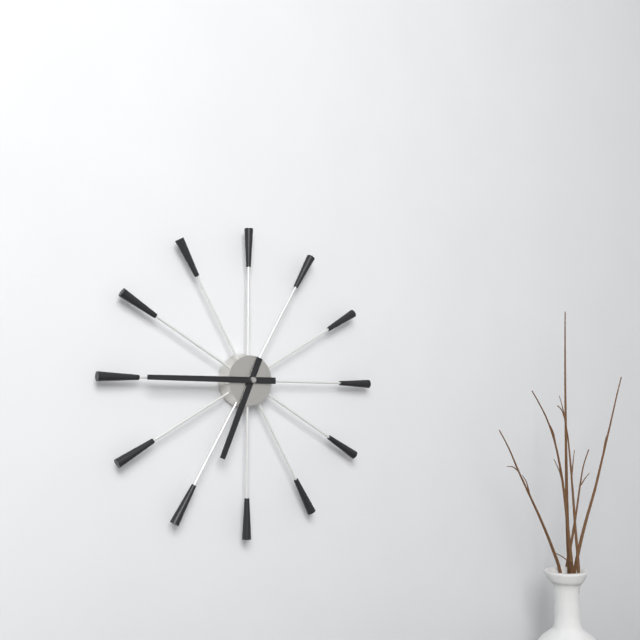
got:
**6:45**
